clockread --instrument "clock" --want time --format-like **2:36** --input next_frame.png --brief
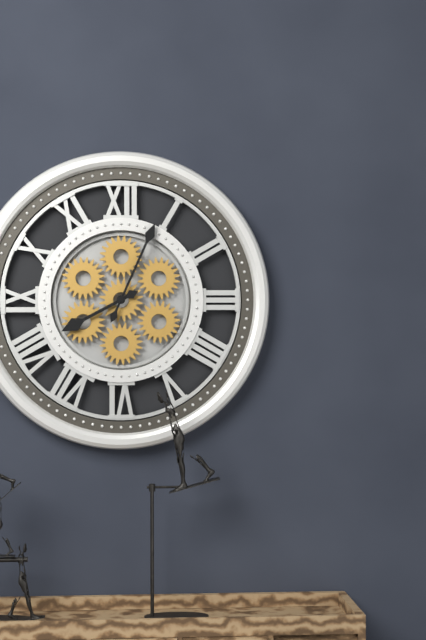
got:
**8:04**
